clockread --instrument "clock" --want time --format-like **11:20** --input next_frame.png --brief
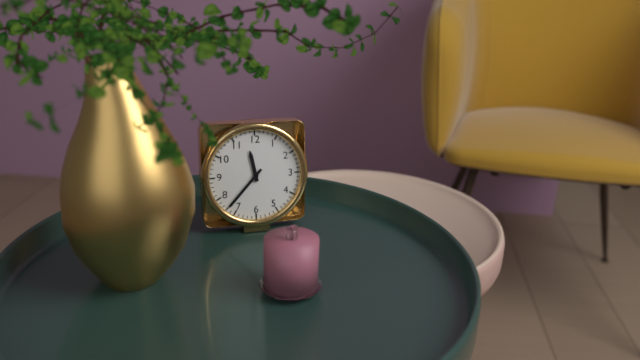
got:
**11:37**
